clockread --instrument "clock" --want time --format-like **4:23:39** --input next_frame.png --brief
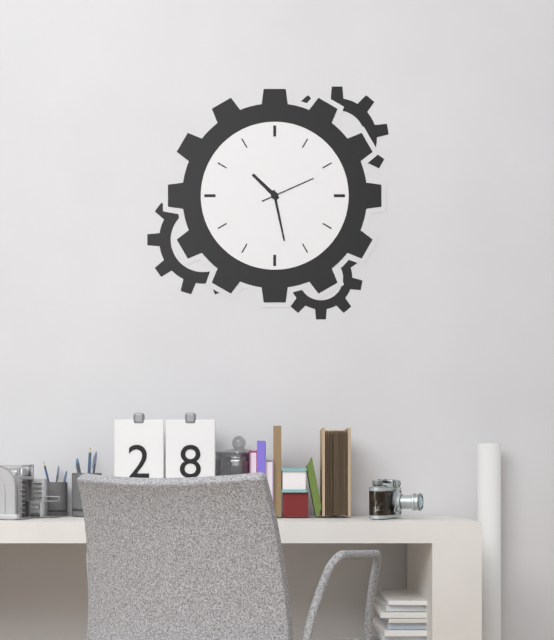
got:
**10:28:11**
